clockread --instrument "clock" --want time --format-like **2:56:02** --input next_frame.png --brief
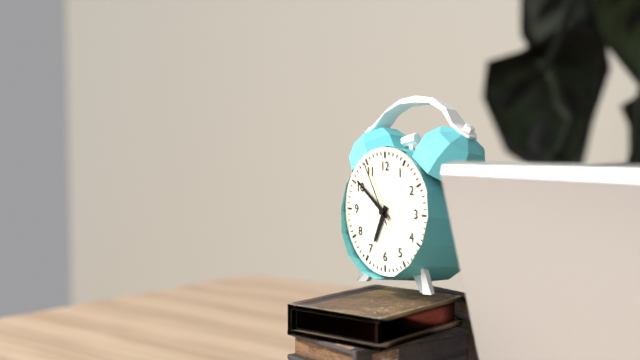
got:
**6:51:55**
